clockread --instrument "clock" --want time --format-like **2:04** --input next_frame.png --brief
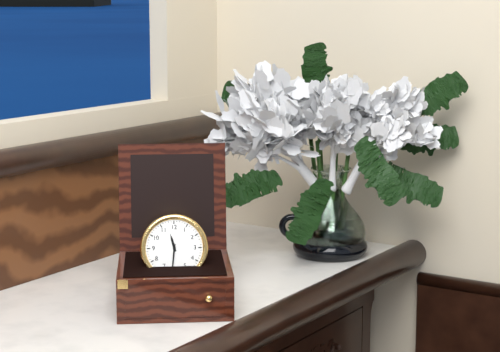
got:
**11:31**
